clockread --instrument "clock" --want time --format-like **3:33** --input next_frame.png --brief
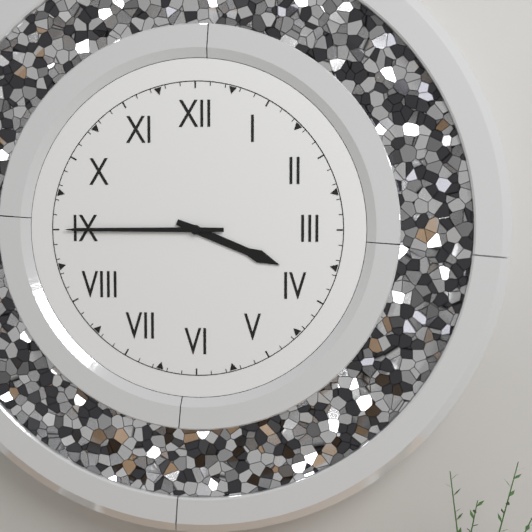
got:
**3:45**
